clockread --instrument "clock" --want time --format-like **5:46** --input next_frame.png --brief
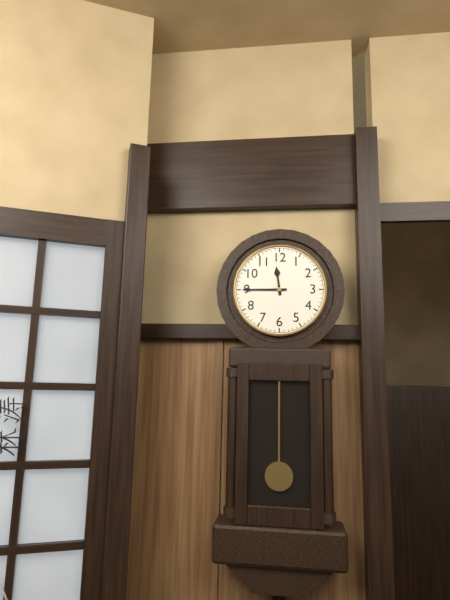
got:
**11:45**
